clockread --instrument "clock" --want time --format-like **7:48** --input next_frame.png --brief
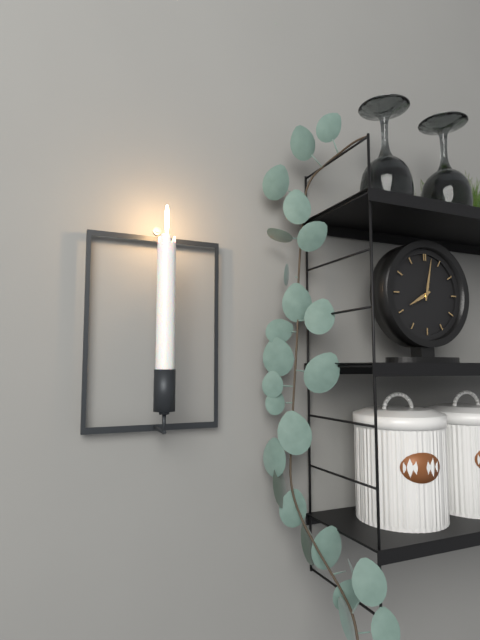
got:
**8:02**
